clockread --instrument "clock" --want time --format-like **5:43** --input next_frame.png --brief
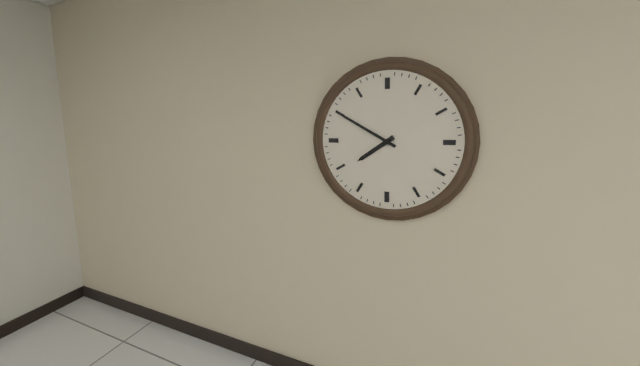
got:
**7:50**
